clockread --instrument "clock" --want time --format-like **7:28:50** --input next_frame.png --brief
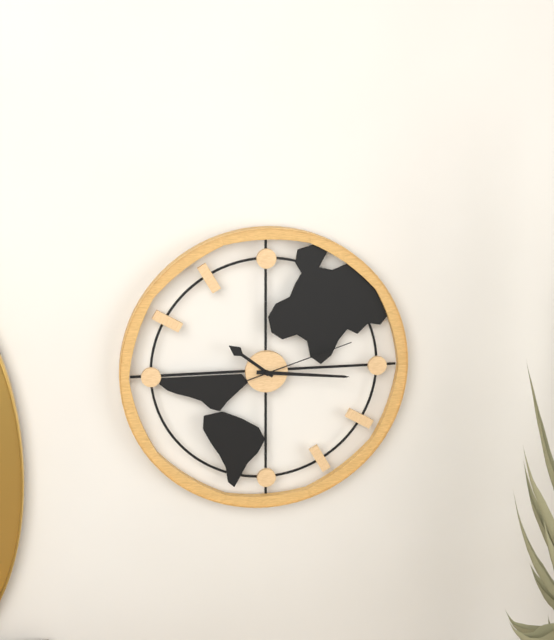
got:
**10:16:12**
